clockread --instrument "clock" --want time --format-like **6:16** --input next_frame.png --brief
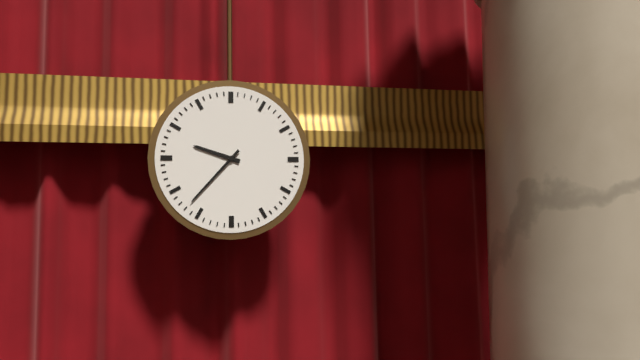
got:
**9:37**
